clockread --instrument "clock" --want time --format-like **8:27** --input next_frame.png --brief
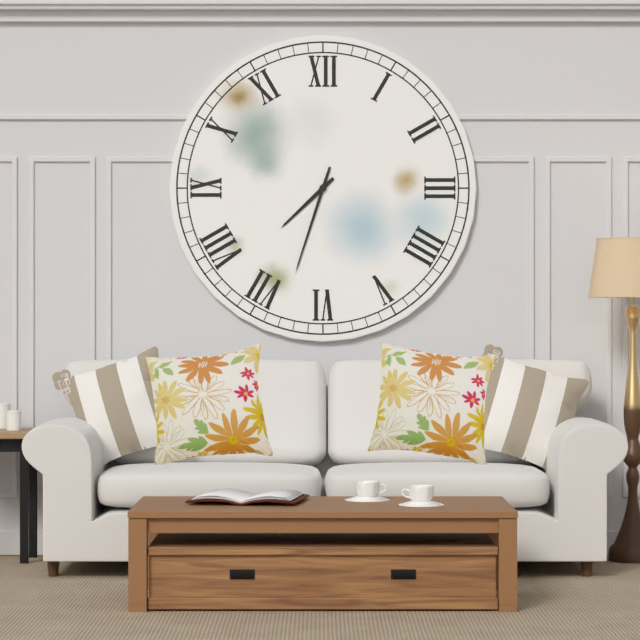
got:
**7:33**
